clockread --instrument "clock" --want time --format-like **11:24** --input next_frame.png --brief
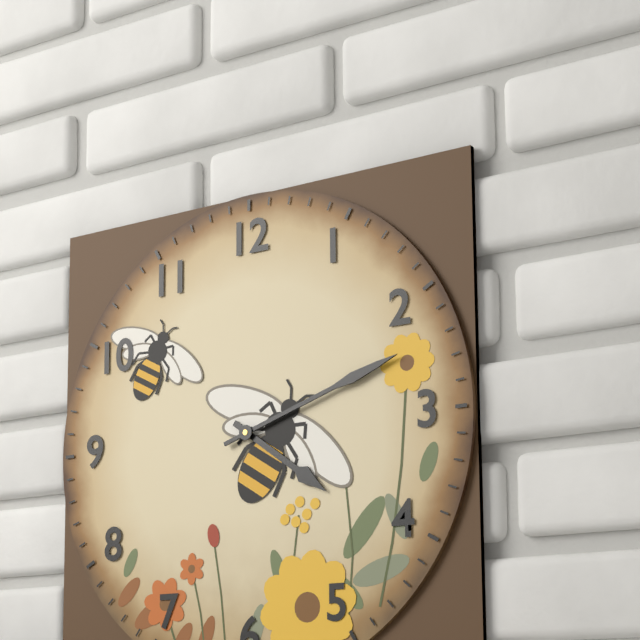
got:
**4:12**
